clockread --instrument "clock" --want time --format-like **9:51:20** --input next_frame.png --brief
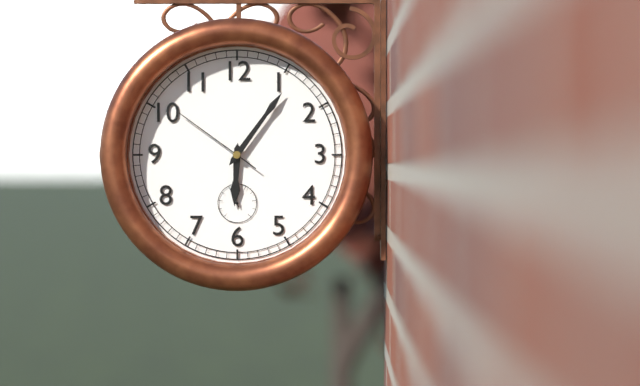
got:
**6:06:51**
